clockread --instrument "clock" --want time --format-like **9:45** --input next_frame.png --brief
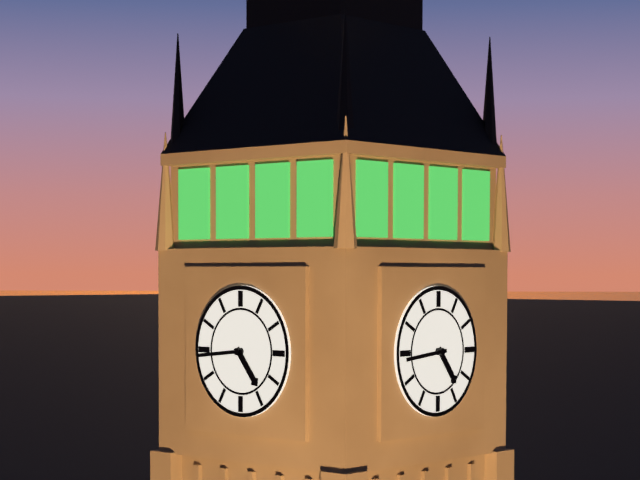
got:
**4:44**
